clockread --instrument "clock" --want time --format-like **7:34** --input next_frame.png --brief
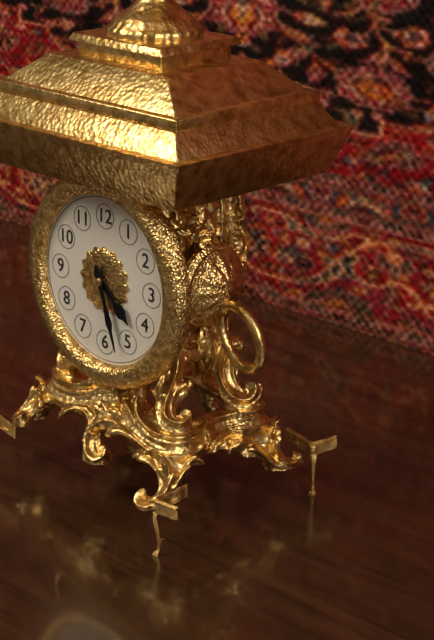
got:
**4:27**
